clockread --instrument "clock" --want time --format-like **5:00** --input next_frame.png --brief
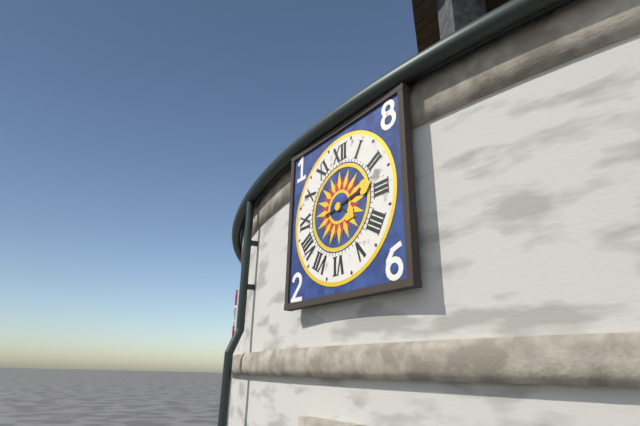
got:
**4:13**
